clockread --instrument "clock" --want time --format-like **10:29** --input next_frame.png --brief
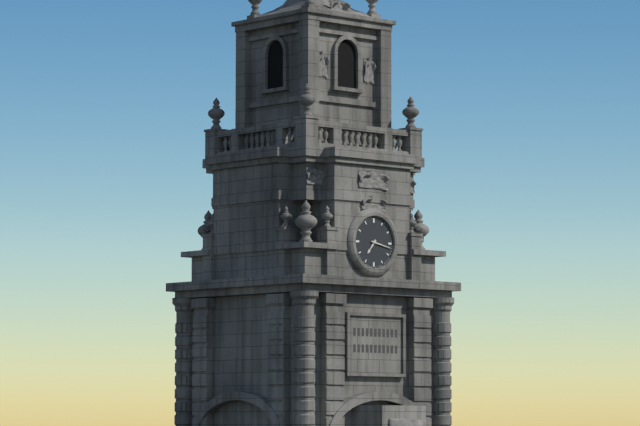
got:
**7:17**
